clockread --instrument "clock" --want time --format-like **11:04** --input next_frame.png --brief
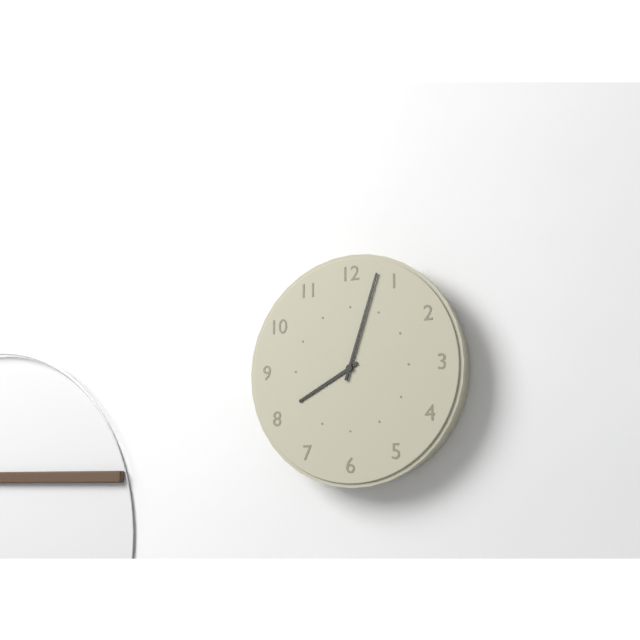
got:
**8:03**
